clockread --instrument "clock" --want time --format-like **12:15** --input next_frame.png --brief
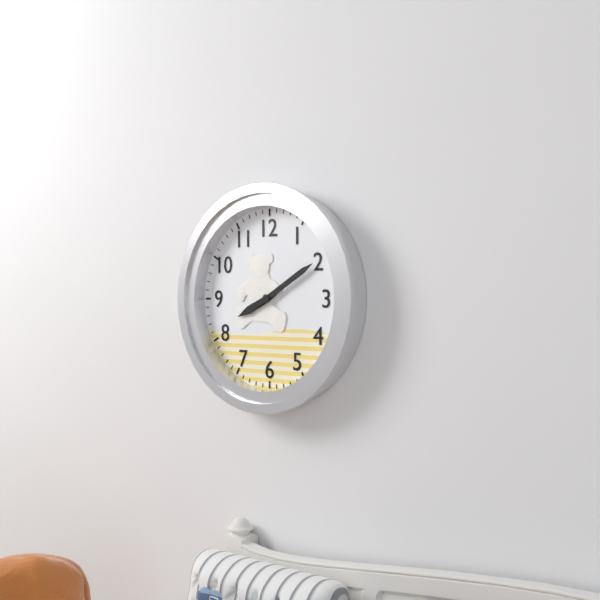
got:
**8:10**
